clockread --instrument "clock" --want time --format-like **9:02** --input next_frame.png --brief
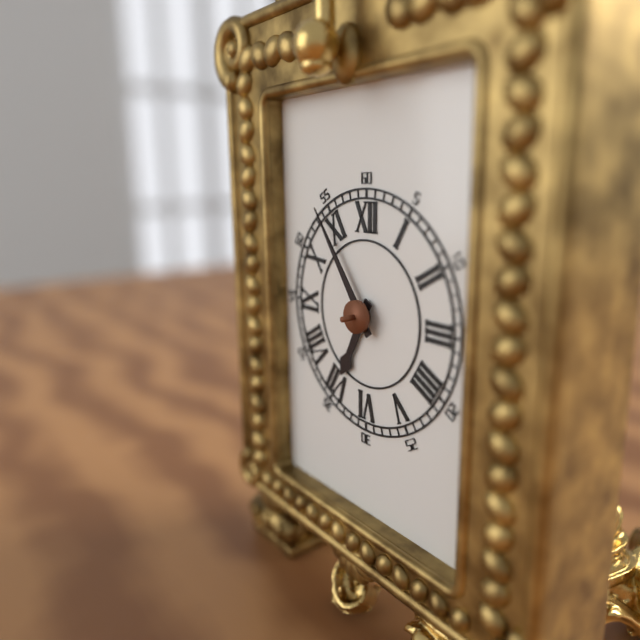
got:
**6:54**
